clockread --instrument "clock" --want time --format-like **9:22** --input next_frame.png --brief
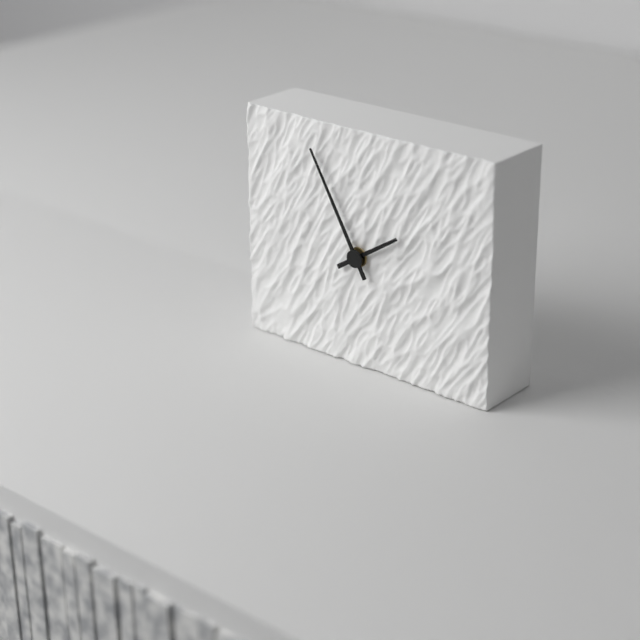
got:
**1:55**
